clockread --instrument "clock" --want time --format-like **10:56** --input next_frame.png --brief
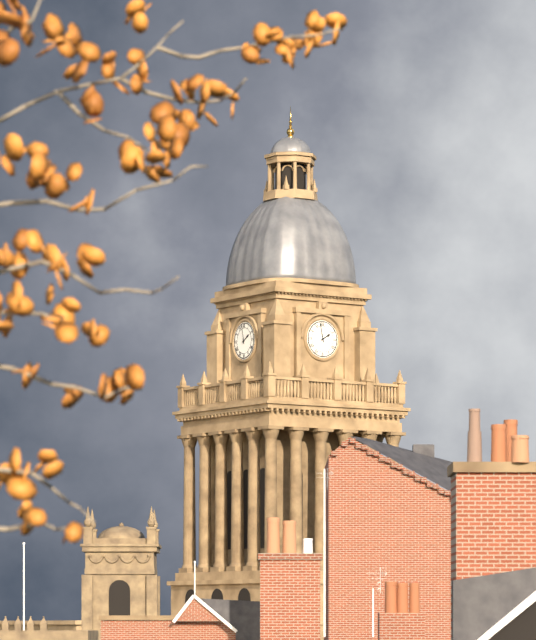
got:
**1:58**
